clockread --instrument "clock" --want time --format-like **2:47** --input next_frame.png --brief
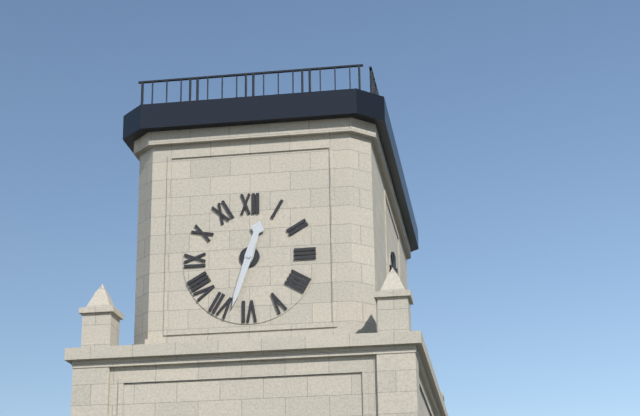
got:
**12:33**
